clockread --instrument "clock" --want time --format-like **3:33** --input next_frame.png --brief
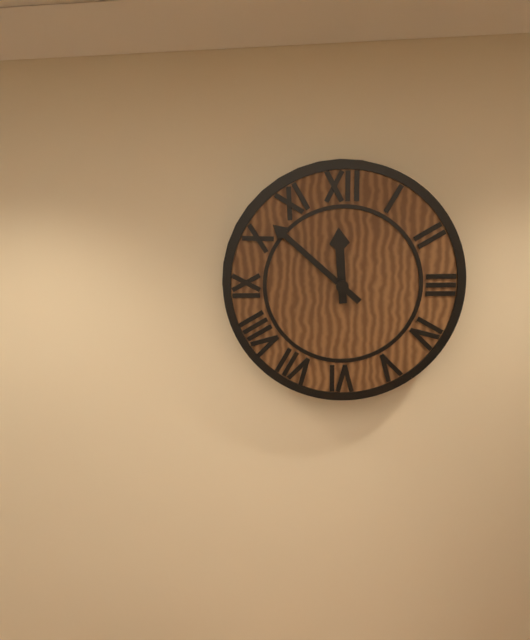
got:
**11:52**
